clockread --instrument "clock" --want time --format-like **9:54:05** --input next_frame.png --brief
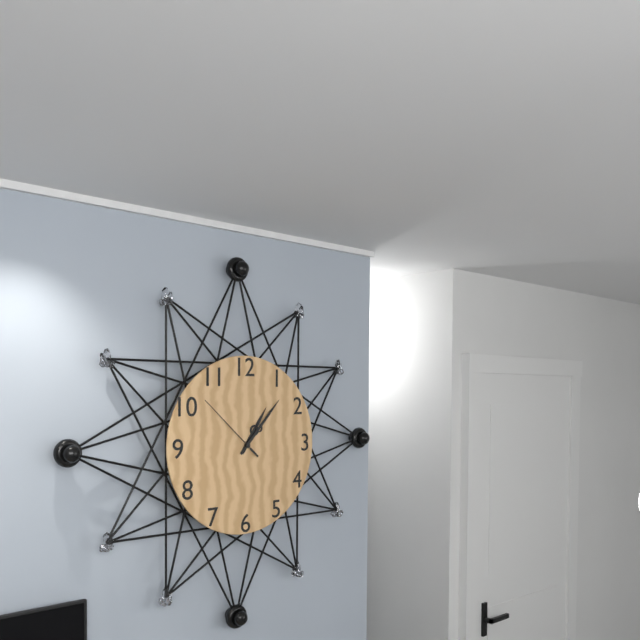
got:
**1:07:52**
